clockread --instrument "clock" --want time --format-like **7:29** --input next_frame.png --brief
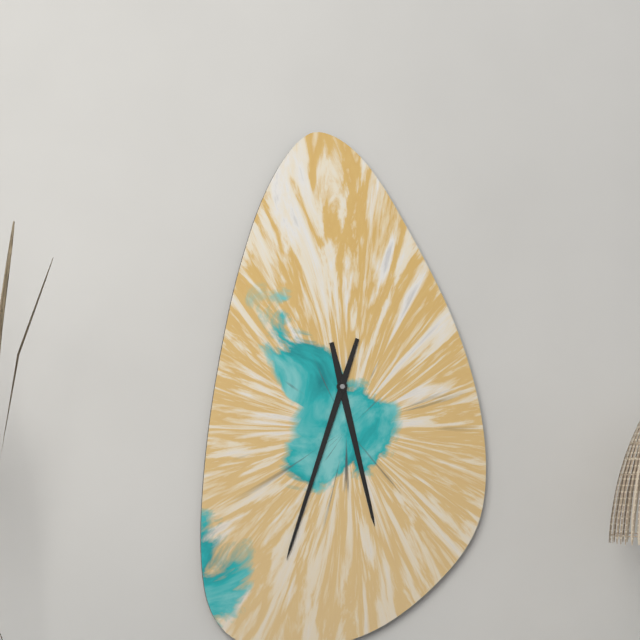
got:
**5:33**
